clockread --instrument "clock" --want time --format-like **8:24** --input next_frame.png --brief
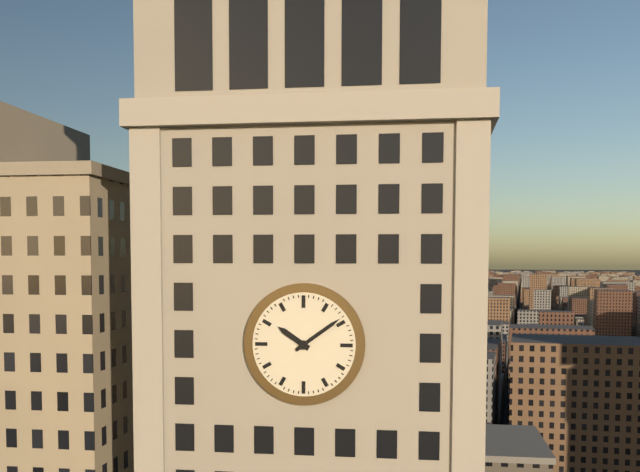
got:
**10:09**
